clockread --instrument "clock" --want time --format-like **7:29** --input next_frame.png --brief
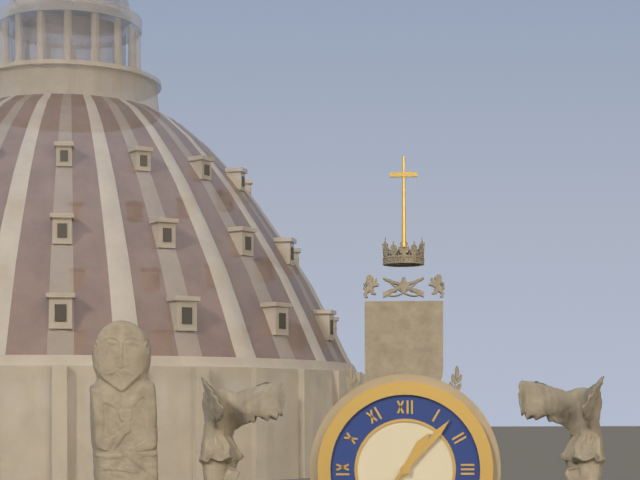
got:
**1:07**
